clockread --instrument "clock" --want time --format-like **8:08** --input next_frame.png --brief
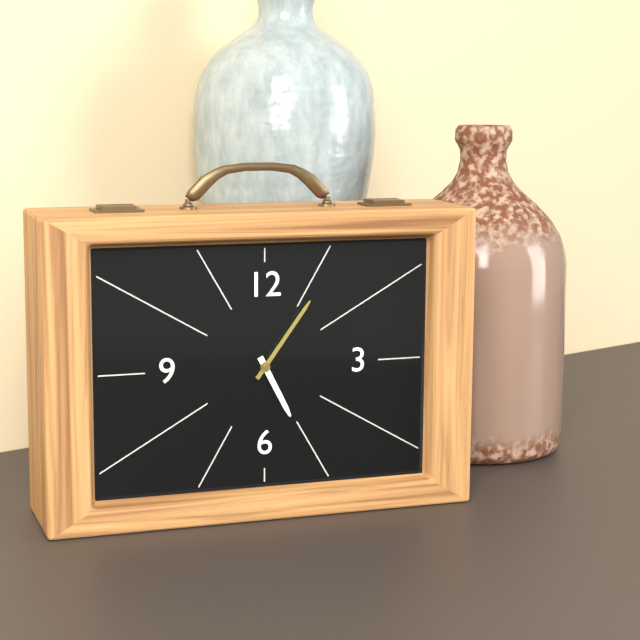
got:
**5:06**
